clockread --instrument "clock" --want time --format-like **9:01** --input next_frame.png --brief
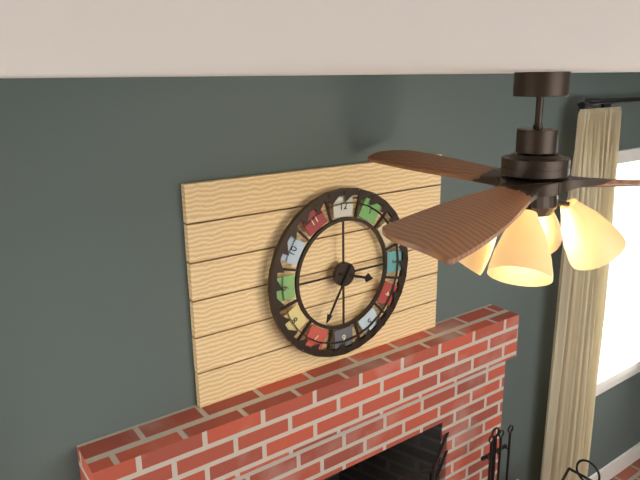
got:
**3:35**
